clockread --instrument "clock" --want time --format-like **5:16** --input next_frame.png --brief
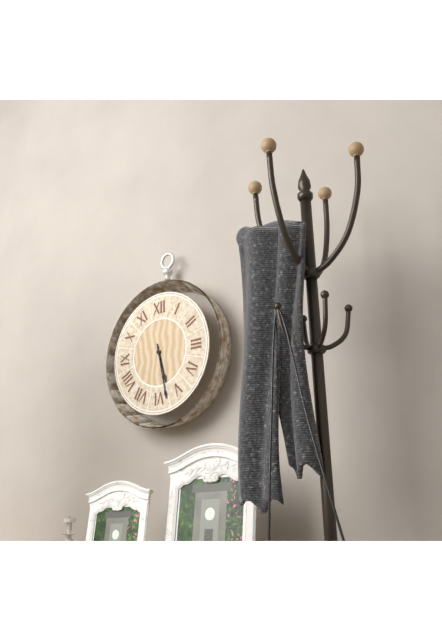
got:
**5:28**
